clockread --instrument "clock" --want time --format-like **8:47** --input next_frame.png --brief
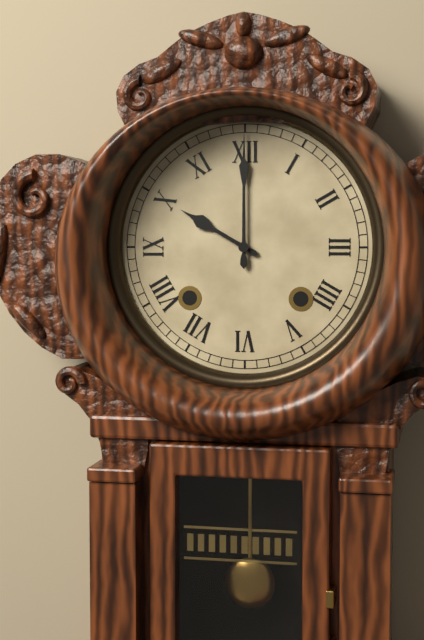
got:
**10:00**
